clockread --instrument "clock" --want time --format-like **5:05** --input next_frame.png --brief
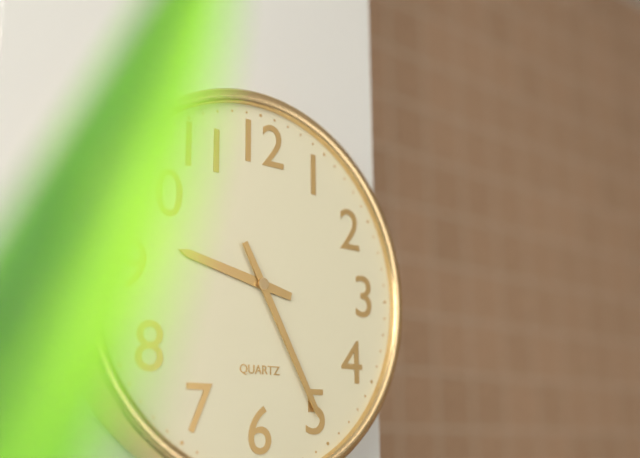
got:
**9:25**
